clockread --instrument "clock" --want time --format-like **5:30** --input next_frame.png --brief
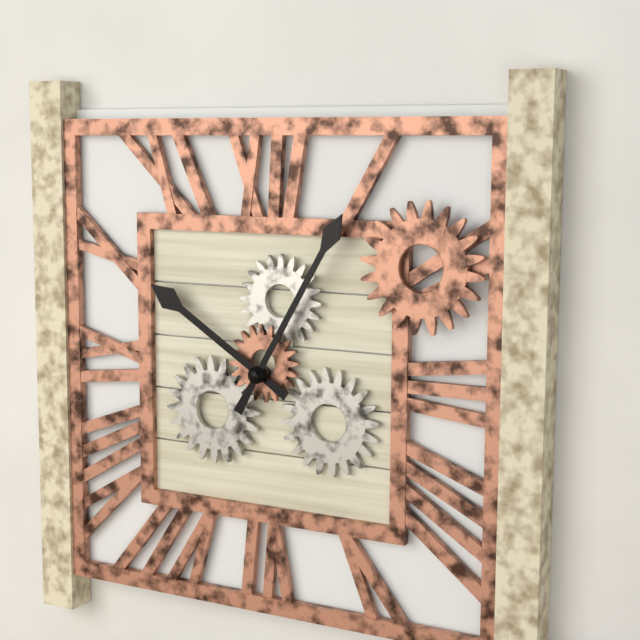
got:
**10:05**
